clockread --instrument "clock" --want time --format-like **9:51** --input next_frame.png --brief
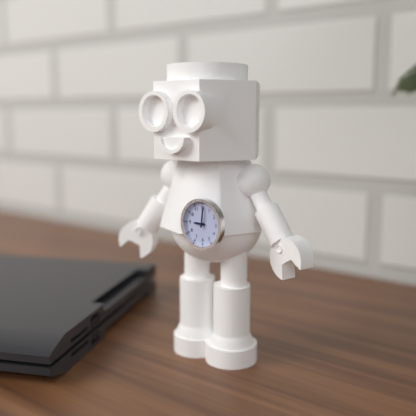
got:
**9:01**
